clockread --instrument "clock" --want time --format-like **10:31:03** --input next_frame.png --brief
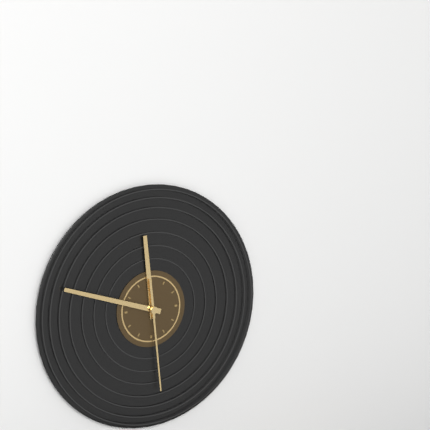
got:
**11:48:29**
